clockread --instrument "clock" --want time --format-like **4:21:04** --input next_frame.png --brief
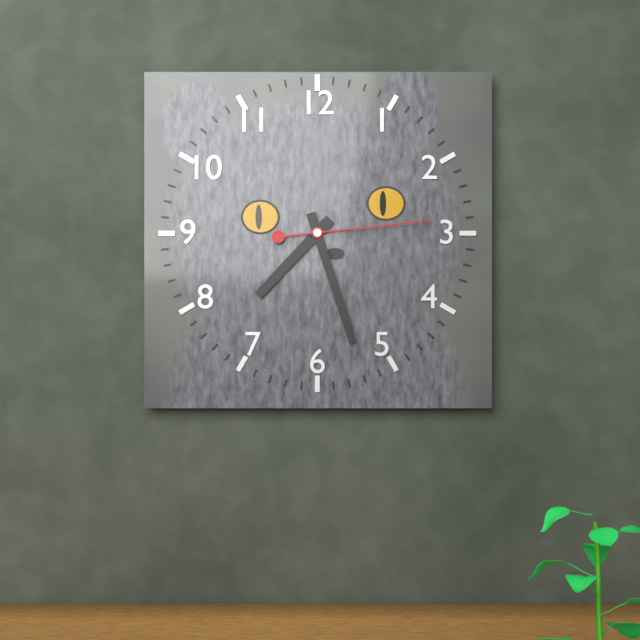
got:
**7:27:14**
